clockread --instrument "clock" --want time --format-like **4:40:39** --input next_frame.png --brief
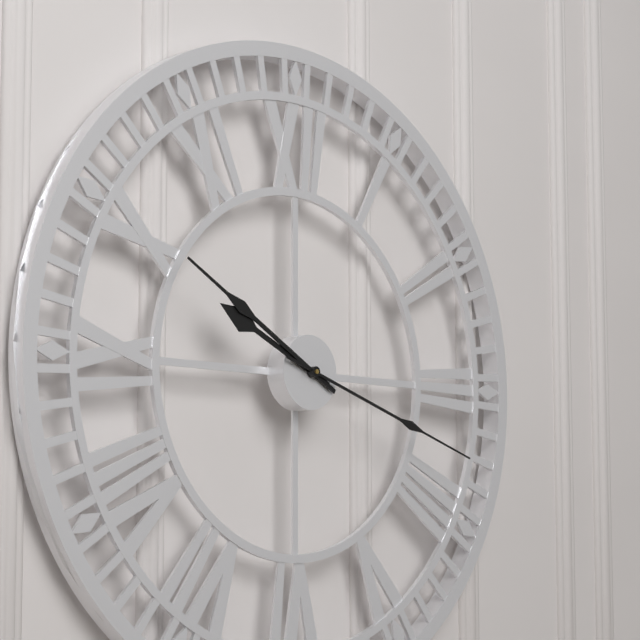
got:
**9:50:18**
